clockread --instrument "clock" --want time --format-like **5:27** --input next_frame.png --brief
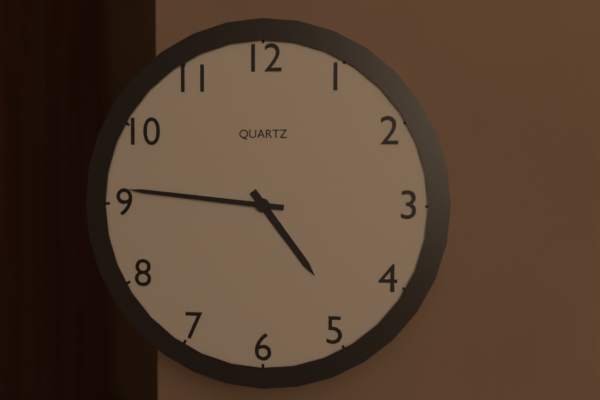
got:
**4:46**
